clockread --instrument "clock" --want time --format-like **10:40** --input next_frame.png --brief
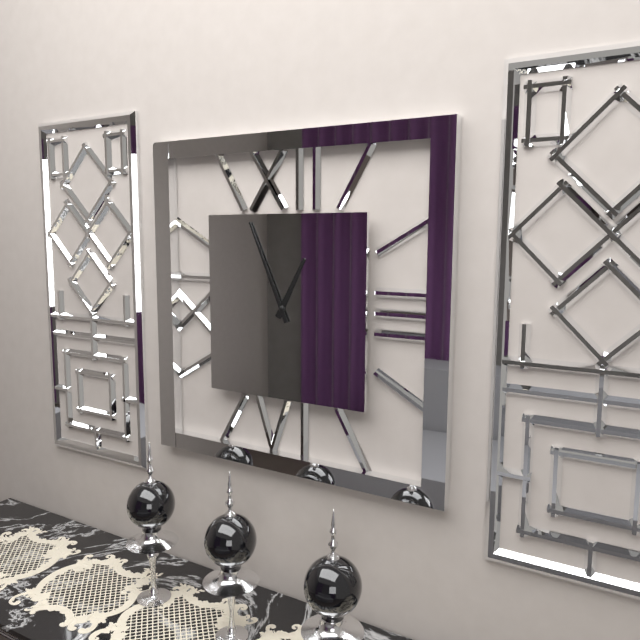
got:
**12:56**
